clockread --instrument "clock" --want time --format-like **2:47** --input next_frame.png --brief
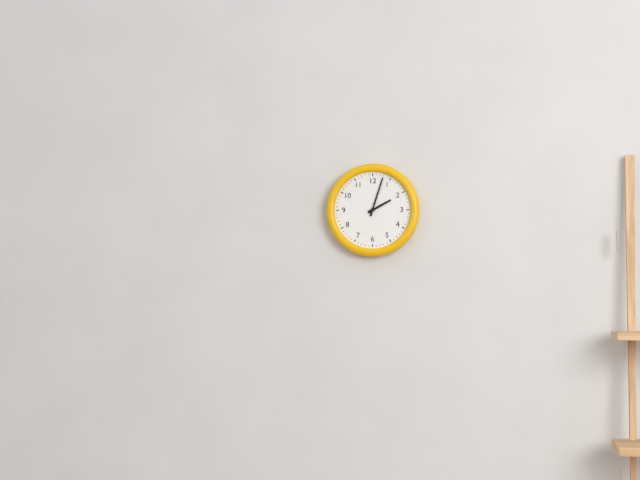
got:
**2:03**
